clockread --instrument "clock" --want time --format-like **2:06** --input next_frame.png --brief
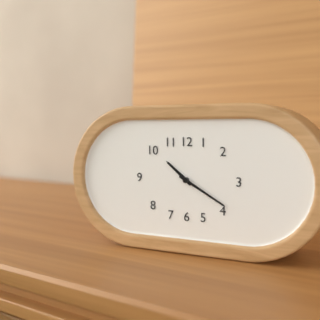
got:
**10:20**
